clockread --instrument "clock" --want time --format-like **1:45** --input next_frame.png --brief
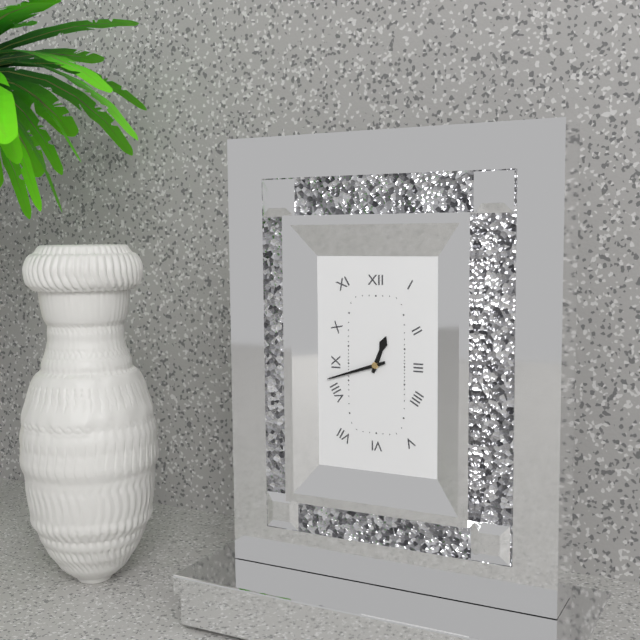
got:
**12:42**
